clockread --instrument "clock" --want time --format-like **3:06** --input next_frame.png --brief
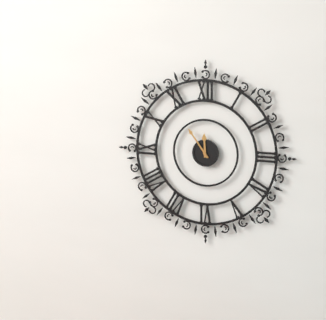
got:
**11:54**
